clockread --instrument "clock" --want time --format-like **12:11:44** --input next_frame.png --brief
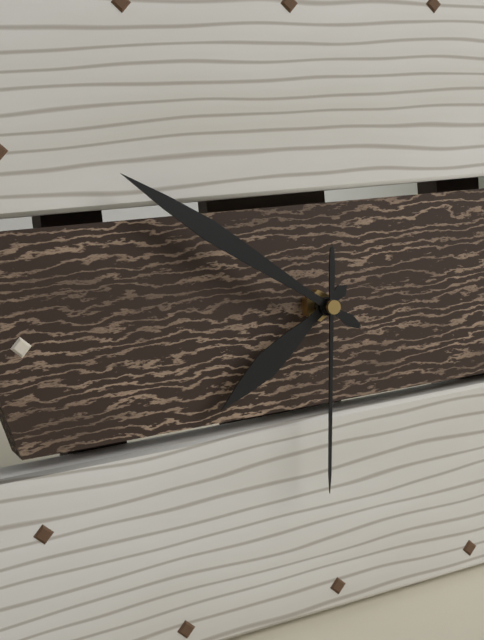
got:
**7:51:31**
